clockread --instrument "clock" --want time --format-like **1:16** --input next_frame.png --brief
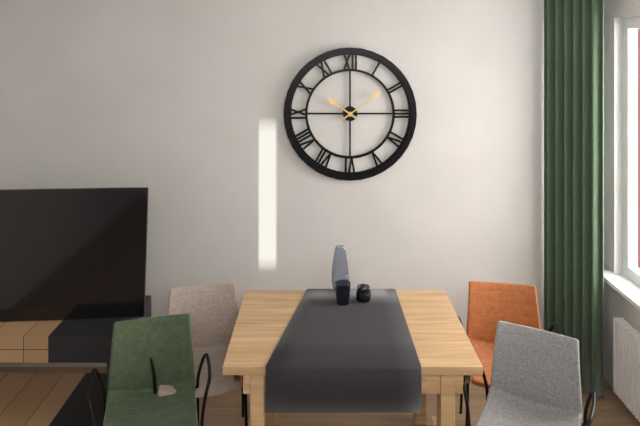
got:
**10:09**
